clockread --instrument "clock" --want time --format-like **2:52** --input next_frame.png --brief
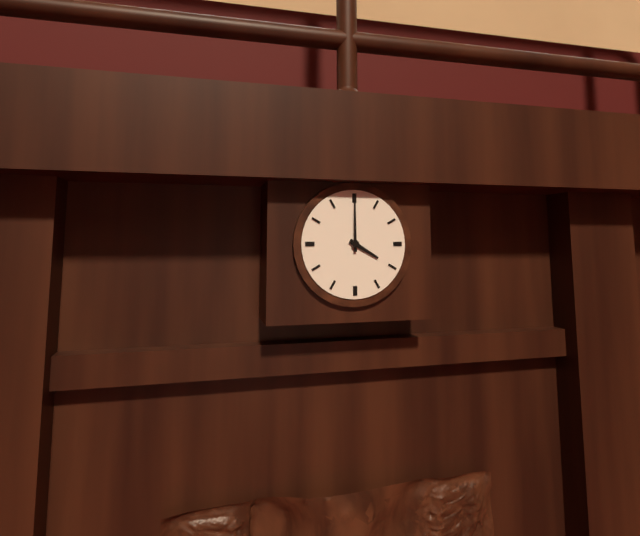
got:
**4:00**
